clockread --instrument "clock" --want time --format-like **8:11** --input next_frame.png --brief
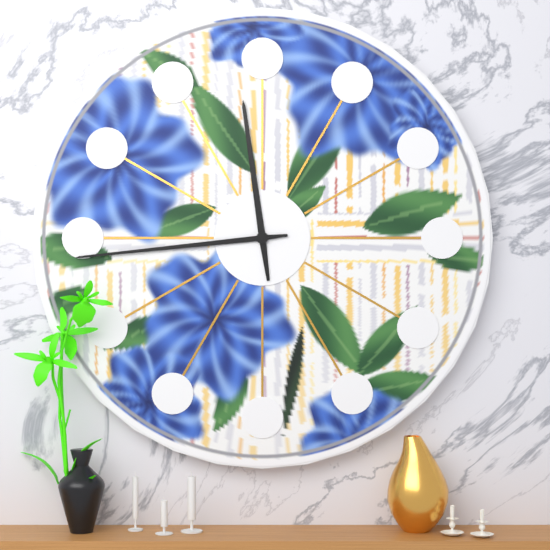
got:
**11:44**
